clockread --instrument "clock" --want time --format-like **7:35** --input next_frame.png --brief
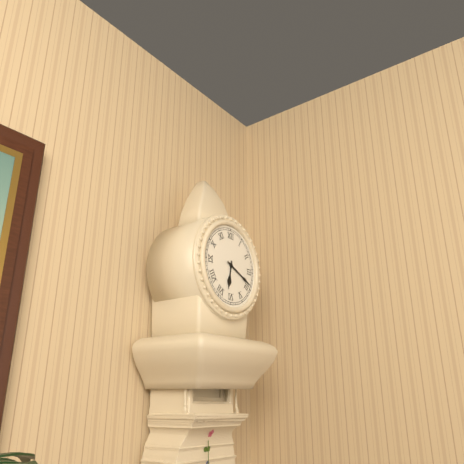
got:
**6:19**
